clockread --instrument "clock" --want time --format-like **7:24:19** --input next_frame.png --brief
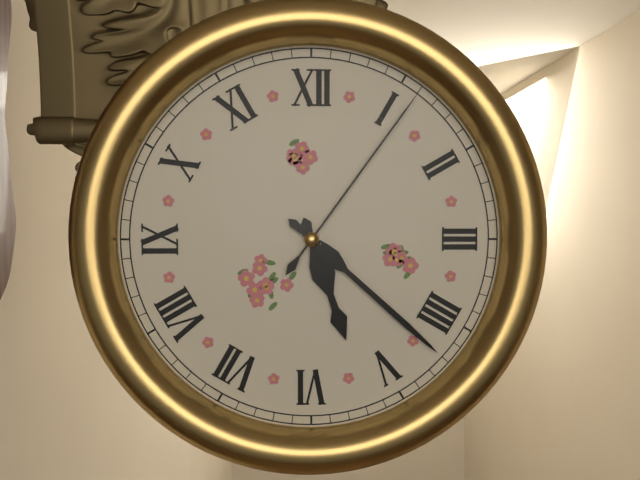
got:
**5:22:06**
